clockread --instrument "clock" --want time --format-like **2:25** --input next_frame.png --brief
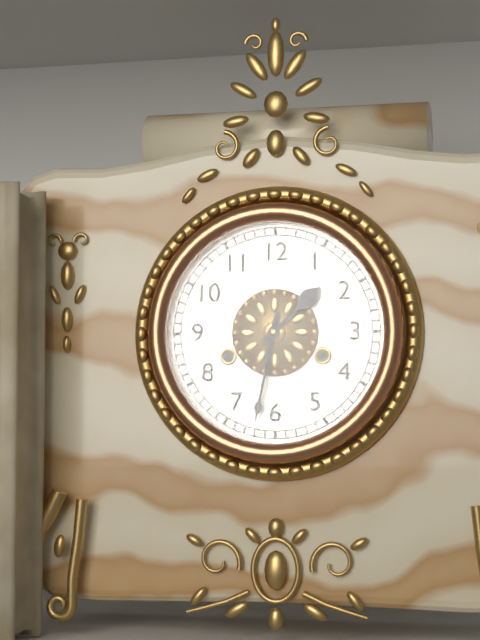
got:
**1:32**
